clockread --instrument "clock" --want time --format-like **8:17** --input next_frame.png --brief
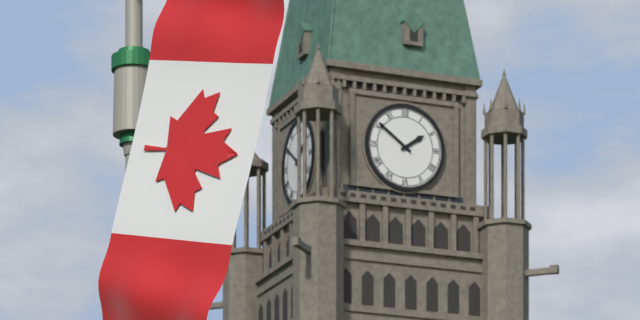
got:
**1:51**
